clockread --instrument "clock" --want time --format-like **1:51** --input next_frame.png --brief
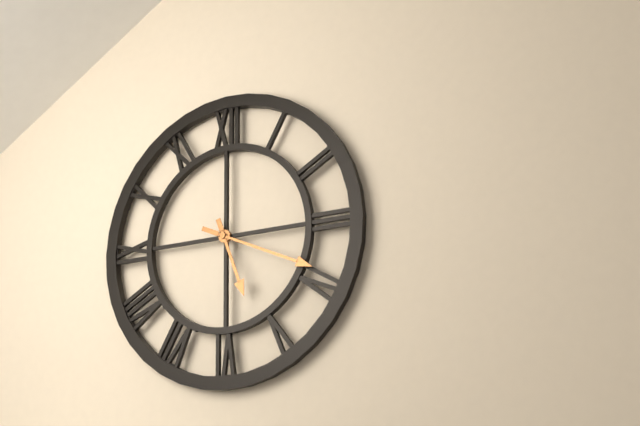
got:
**5:19**
